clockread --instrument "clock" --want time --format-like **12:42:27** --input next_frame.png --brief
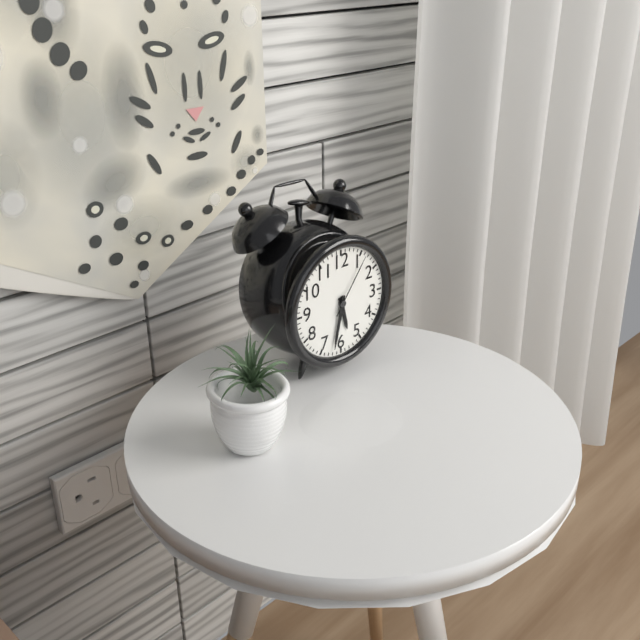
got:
**5:32:06**
